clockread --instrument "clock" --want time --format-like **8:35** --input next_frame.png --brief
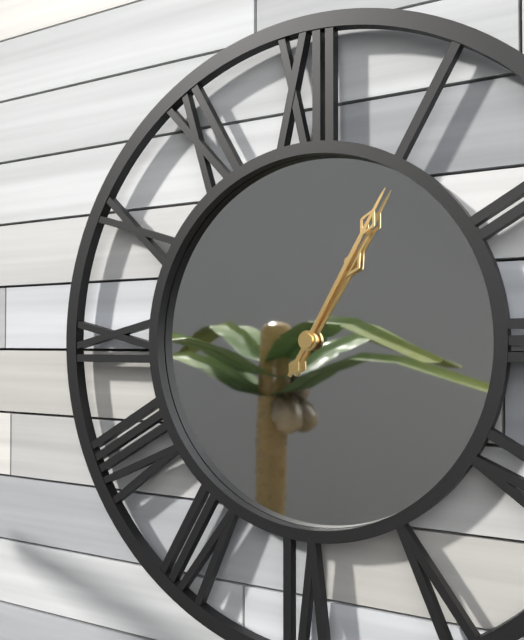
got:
**1:05**
